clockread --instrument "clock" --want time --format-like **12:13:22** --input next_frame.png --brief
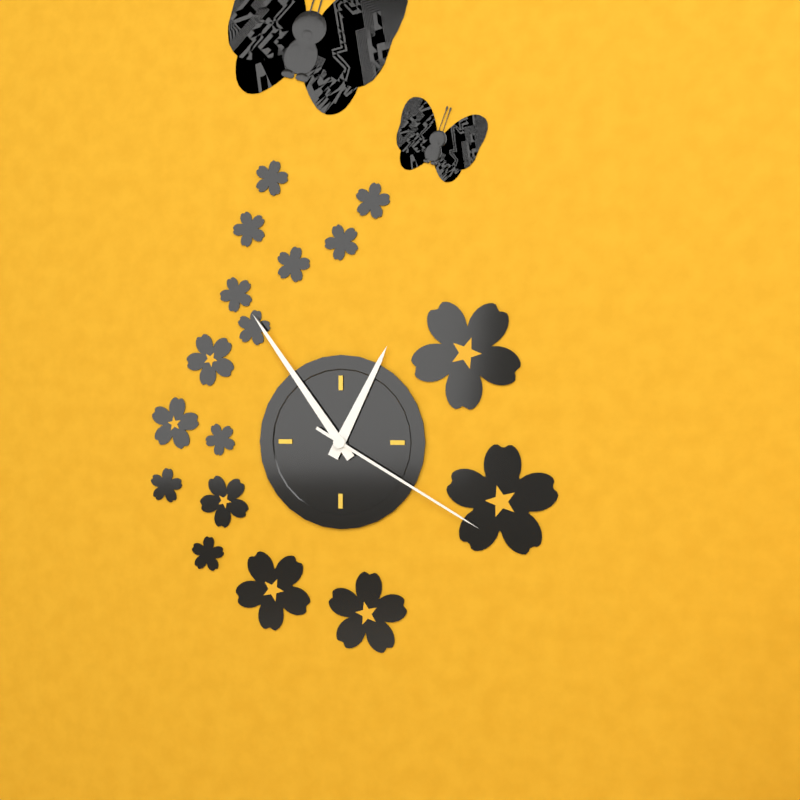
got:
**12:54:20**
